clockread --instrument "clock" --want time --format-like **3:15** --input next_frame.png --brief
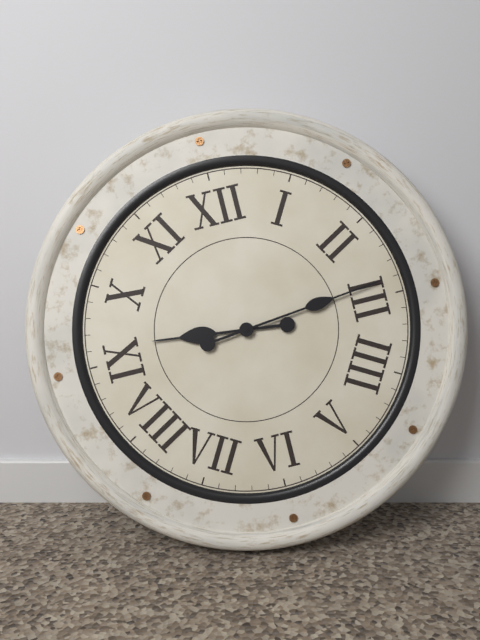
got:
**9:14**
